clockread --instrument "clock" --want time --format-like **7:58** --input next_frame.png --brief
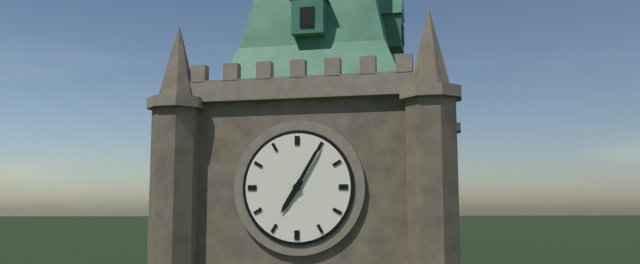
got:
**7:05**
